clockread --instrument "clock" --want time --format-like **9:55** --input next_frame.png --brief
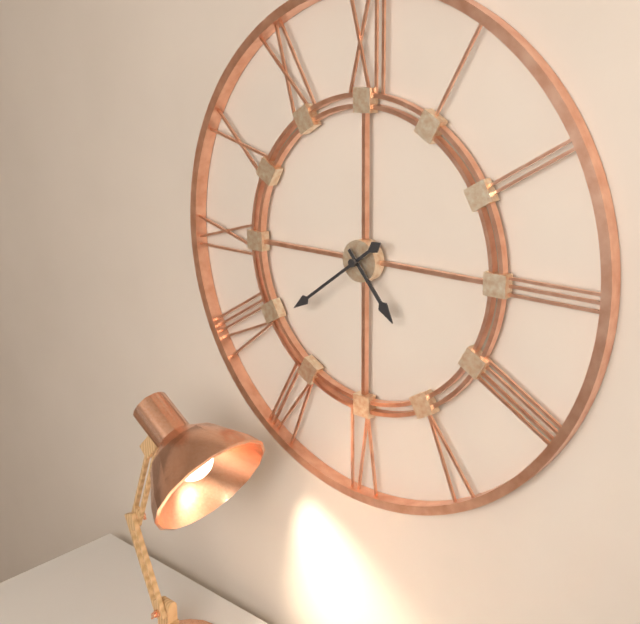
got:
**4:39**
